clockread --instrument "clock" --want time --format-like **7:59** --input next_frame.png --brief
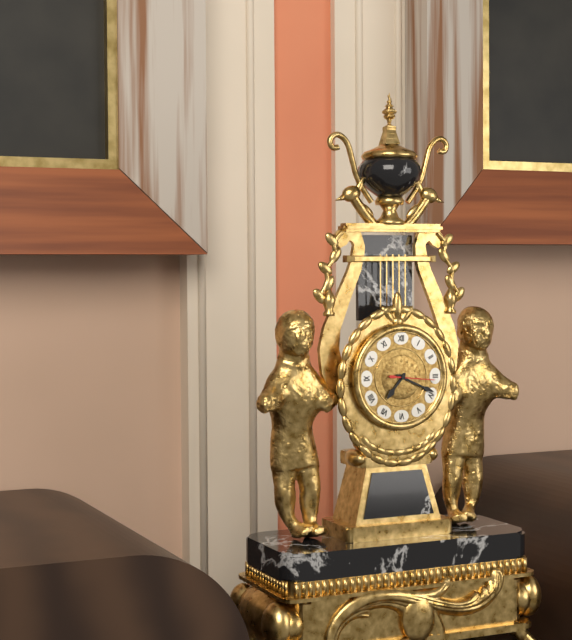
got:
**7:19**
